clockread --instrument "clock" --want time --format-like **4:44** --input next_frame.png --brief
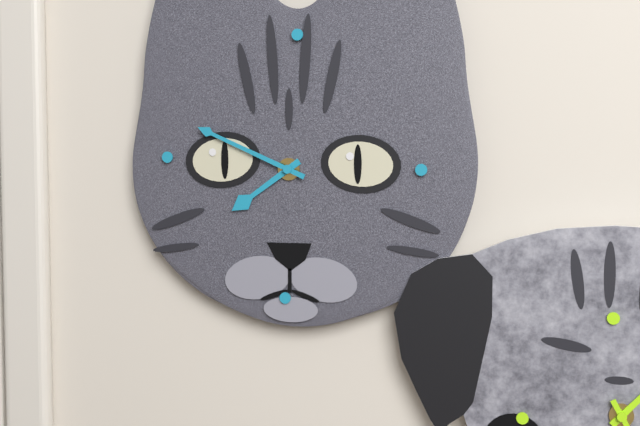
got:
**7:49**
